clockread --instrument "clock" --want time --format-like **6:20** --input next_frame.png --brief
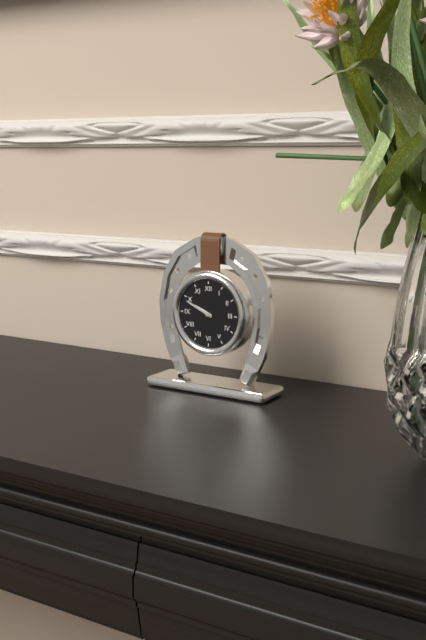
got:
**9:49**
